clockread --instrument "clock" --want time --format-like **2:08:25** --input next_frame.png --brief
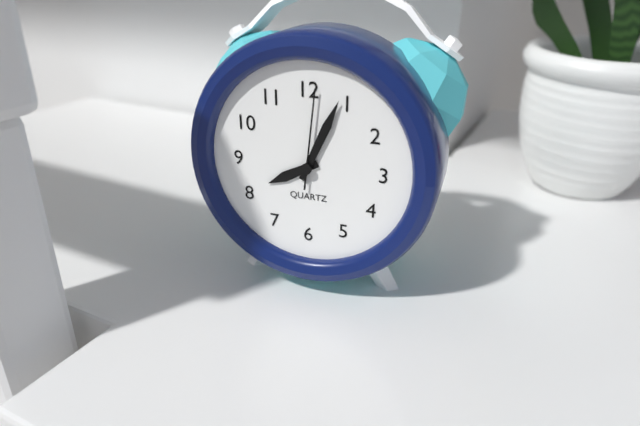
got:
**8:04:01**
